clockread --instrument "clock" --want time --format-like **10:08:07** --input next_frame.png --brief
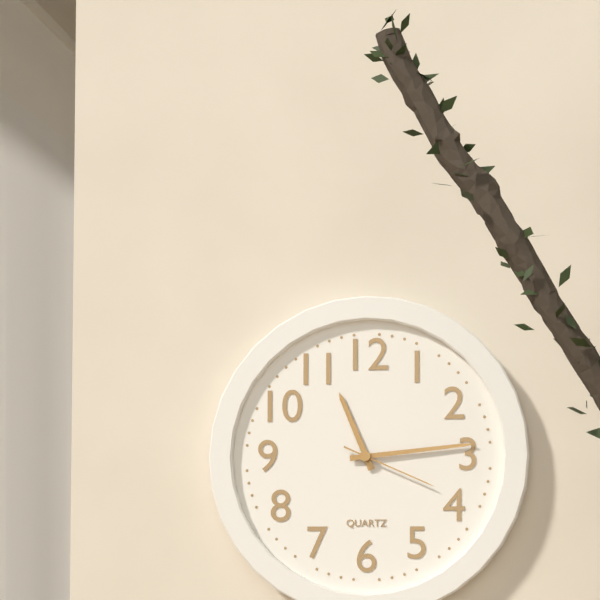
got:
**11:14:19**
